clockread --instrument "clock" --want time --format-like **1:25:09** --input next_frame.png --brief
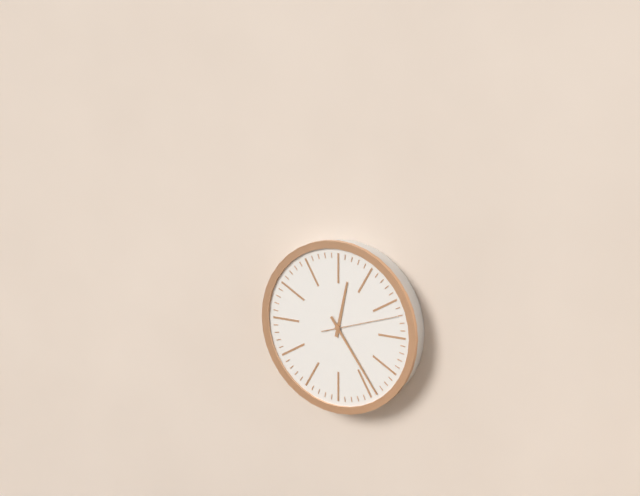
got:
**12:24:12**
